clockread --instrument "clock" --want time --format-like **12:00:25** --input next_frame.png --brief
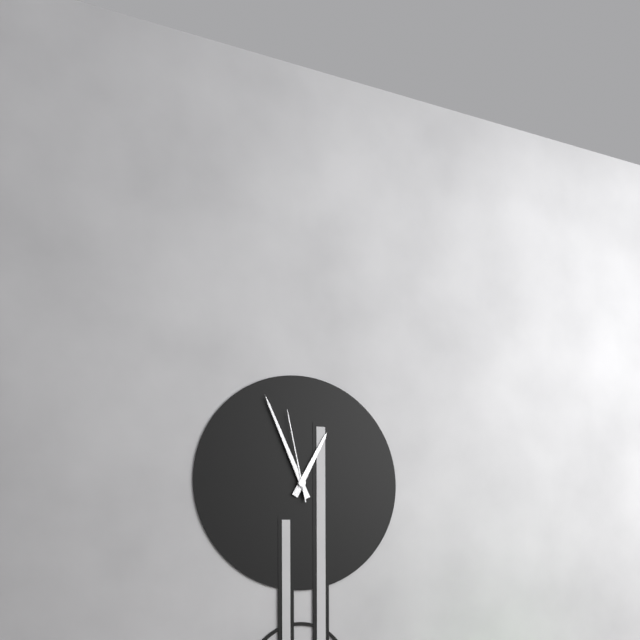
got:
**12:56:58**
